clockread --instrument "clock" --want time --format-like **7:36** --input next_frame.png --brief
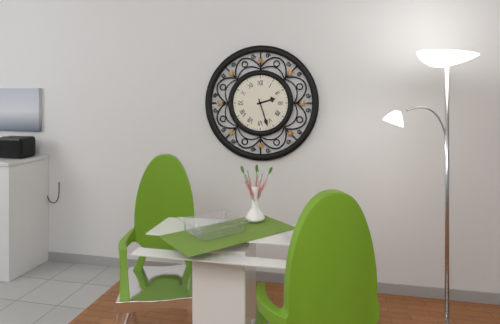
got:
**2:27**
